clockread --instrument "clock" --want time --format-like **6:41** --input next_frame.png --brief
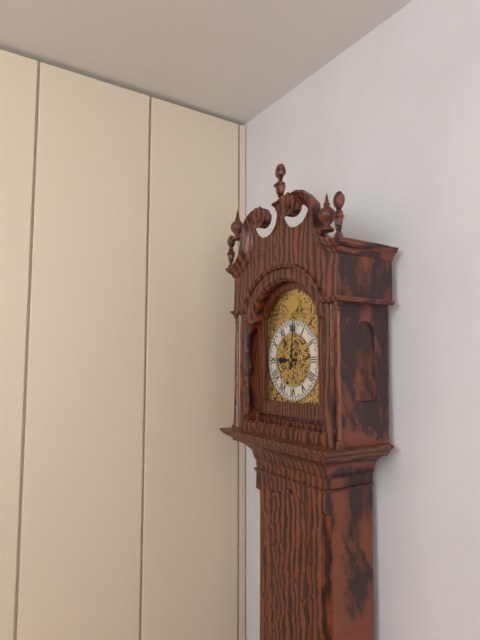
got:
**9:01**
